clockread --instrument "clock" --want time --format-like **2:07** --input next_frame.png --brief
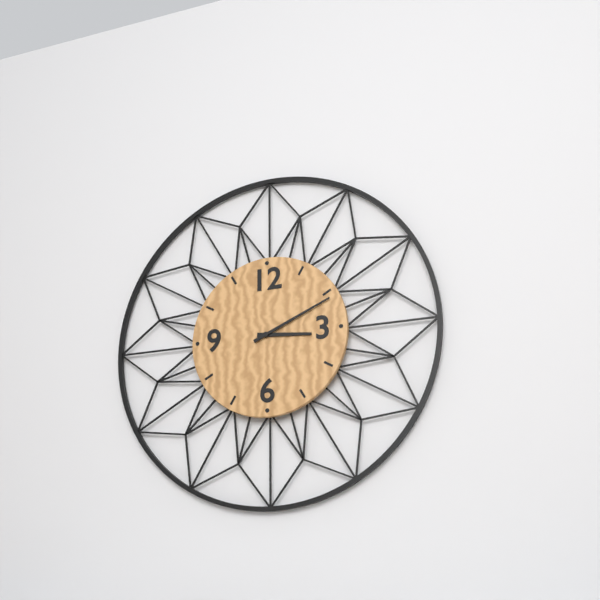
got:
**3:11**
